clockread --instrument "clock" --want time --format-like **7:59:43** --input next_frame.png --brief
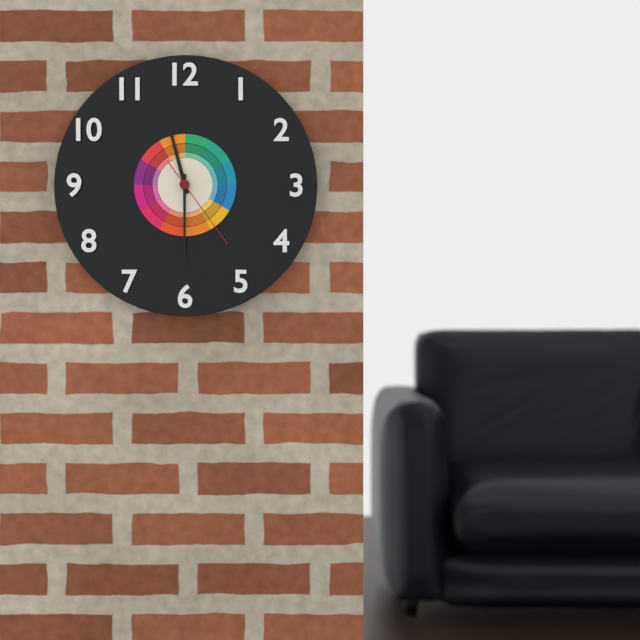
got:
**11:30:24**
